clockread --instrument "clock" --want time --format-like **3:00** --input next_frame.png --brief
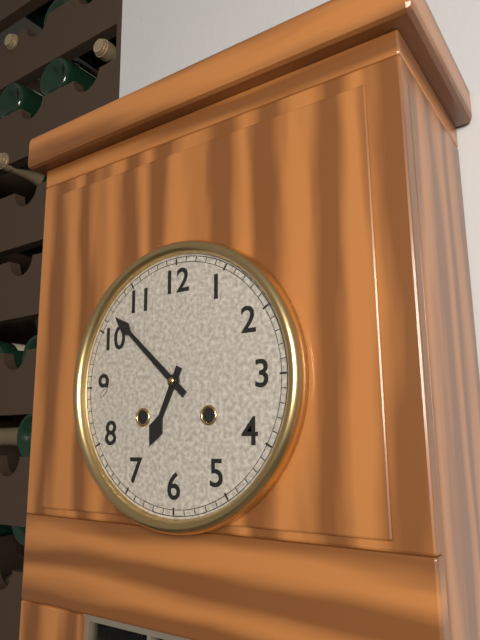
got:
**6:52**
